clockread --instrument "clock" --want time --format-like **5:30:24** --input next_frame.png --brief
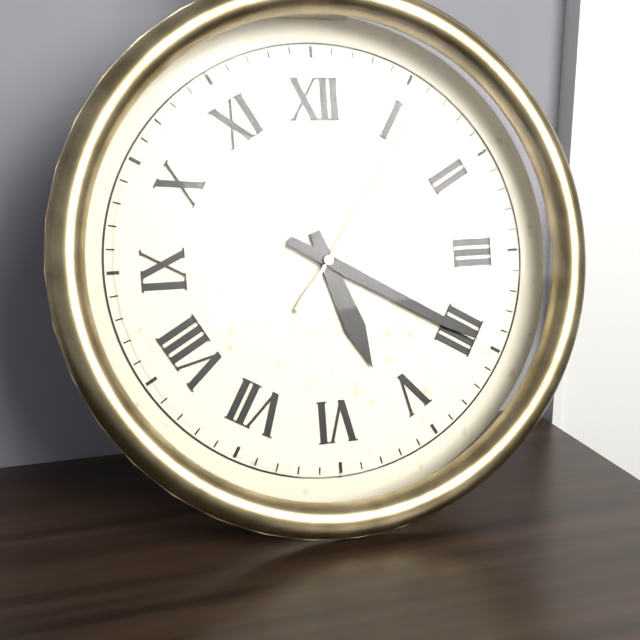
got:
**5:20:06**
